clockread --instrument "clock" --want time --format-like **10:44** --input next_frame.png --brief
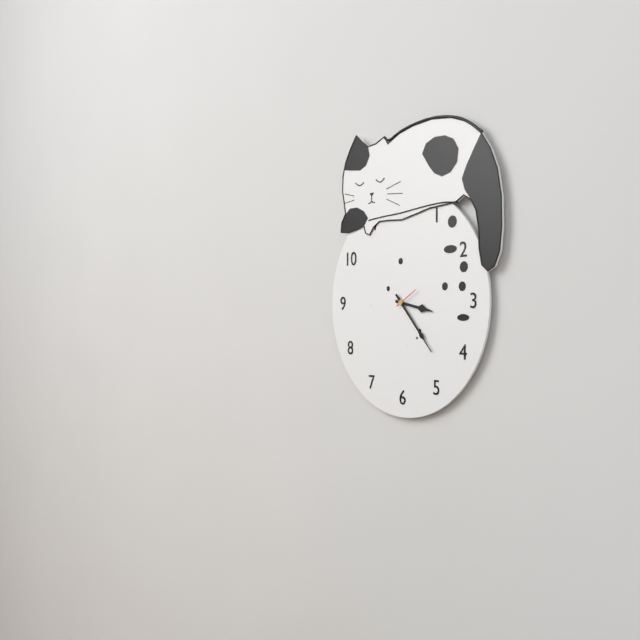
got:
**3:23**
